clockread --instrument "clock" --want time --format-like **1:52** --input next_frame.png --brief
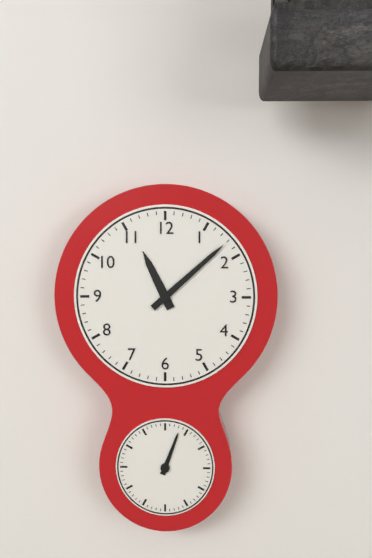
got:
**11:08**
